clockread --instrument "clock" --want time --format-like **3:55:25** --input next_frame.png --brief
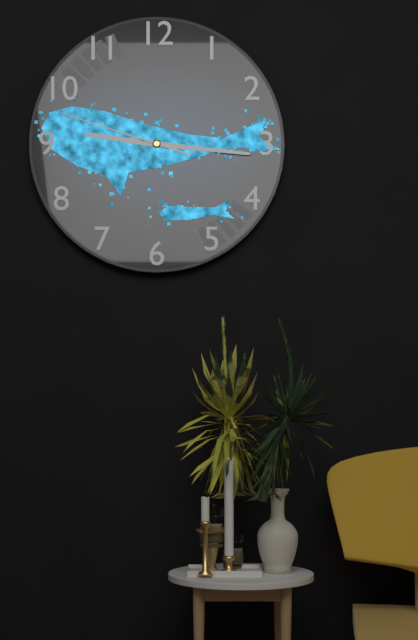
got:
**9:16:48**
